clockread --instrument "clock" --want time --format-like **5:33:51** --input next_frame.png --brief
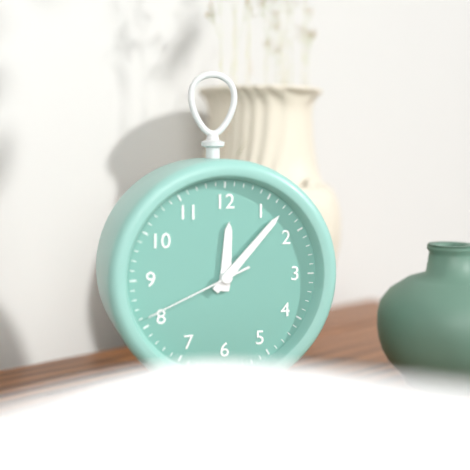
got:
**12:07:41**
